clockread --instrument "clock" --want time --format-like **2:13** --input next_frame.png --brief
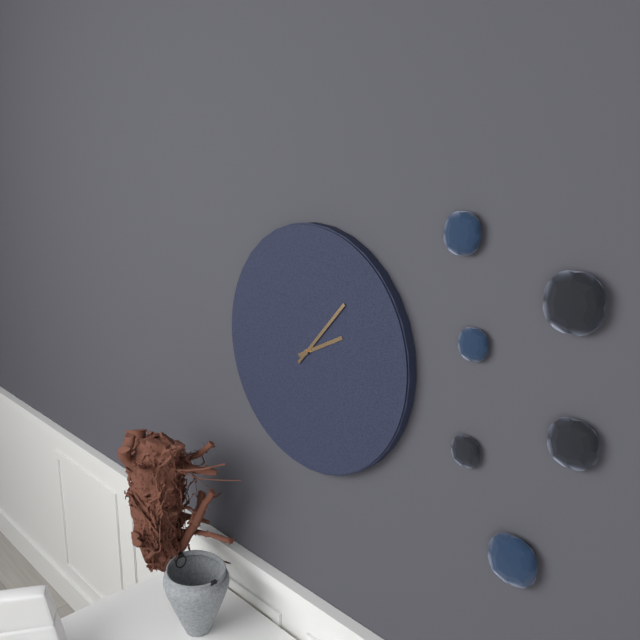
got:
**2:07**
